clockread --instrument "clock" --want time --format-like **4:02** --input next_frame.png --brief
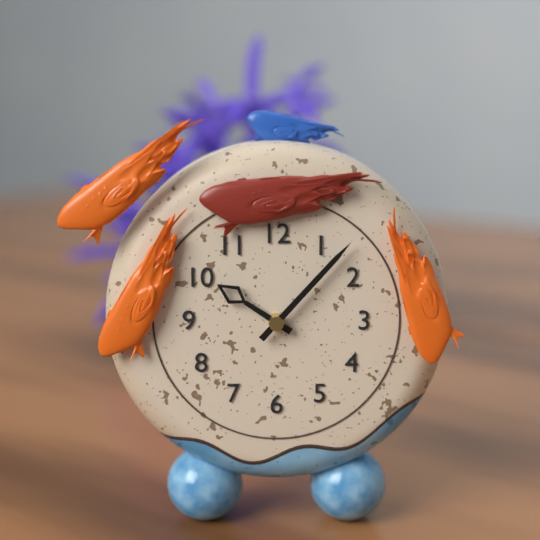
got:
**10:07**
